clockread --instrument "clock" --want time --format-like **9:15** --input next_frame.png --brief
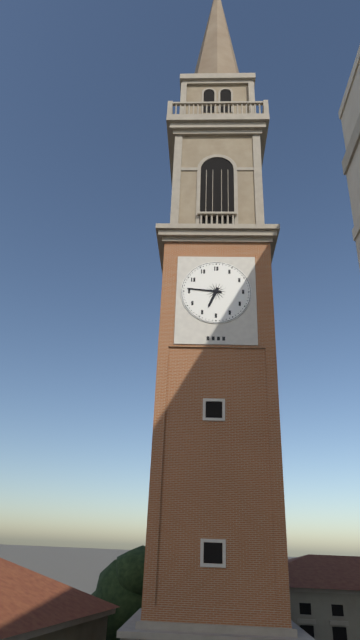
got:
**6:46**
